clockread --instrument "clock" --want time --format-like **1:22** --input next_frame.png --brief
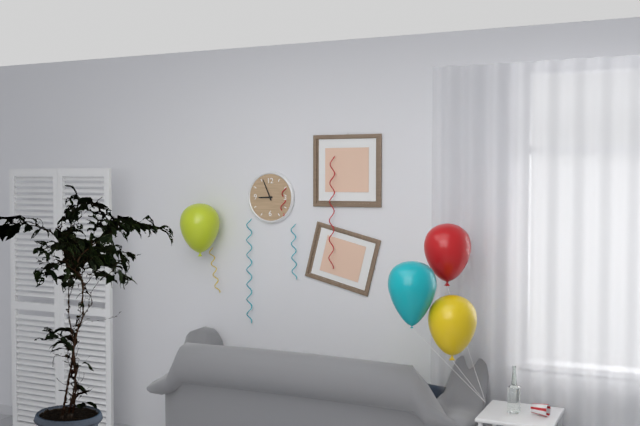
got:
**8:56**
